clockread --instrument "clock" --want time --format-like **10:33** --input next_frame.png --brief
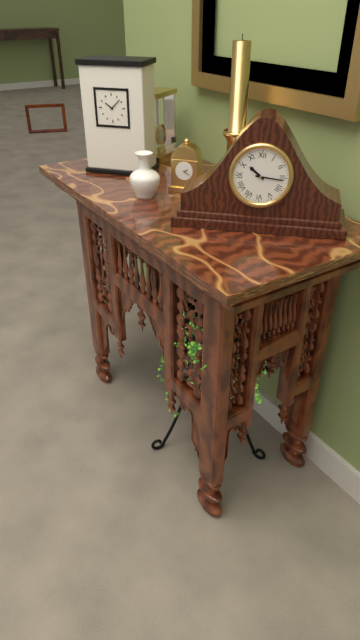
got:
**10:16**
